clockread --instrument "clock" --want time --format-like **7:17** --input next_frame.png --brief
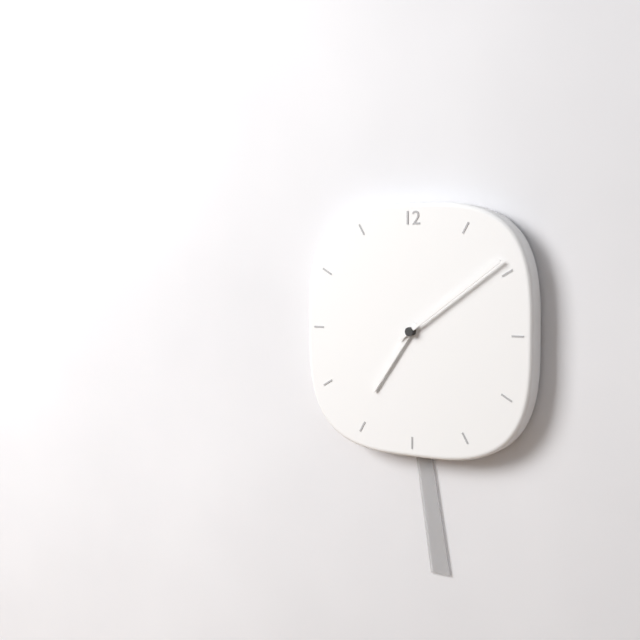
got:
**7:09**
